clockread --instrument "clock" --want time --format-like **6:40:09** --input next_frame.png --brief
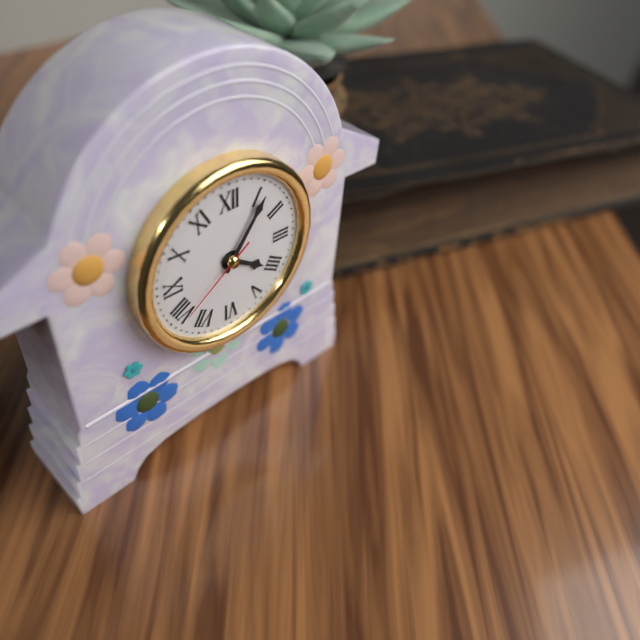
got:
**4:06:39**
